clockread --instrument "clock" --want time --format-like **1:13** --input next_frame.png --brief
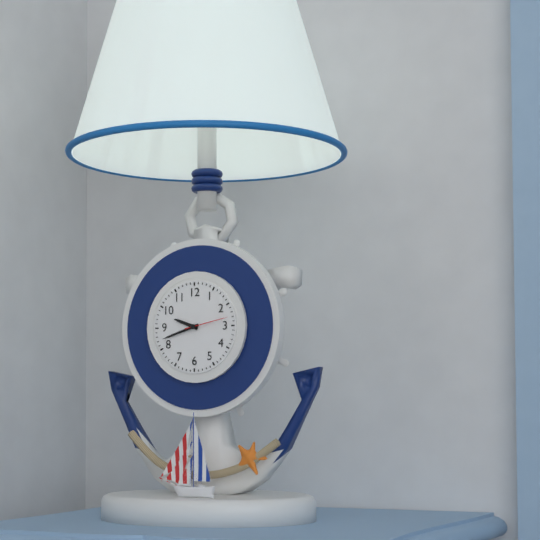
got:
**9:42**
